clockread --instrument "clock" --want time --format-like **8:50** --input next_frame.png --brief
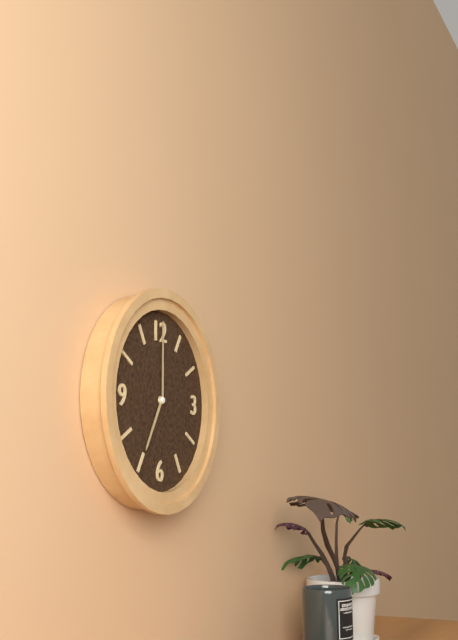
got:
**7:00**
